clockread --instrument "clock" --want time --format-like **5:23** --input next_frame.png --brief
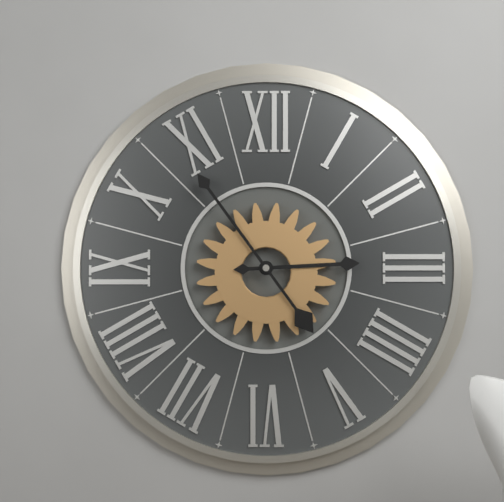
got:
**2:54**
